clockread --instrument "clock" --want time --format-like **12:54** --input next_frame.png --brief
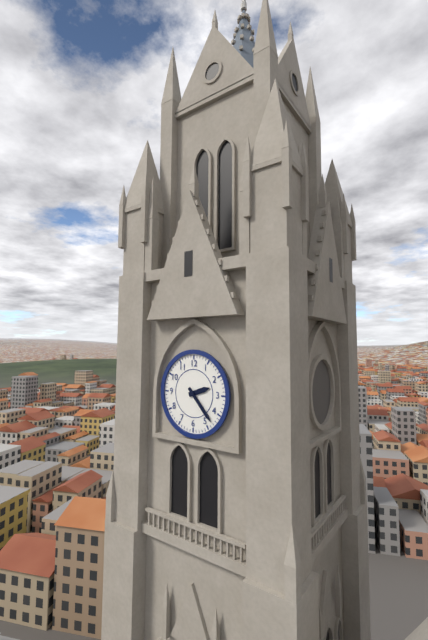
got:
**2:23**
